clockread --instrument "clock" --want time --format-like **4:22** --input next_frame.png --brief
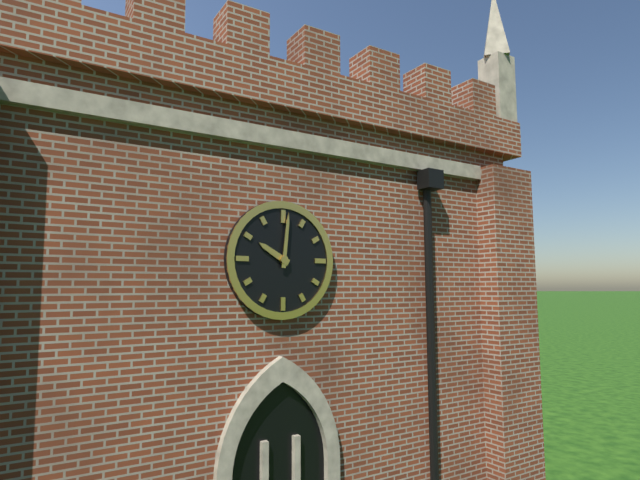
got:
**10:01**
